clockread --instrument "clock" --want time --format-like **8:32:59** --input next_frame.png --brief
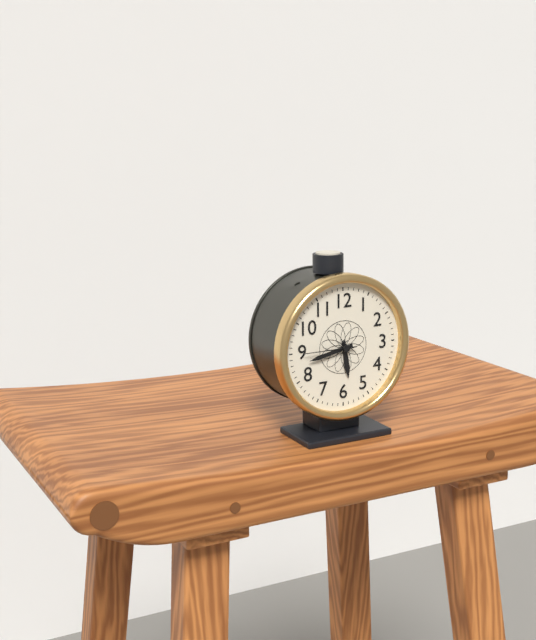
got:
**5:43:45**
